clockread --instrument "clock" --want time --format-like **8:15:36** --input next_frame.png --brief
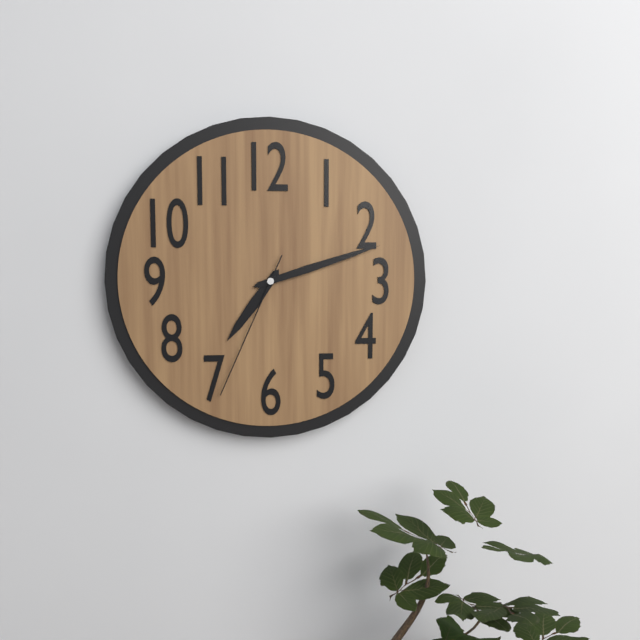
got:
**7:12:34**
